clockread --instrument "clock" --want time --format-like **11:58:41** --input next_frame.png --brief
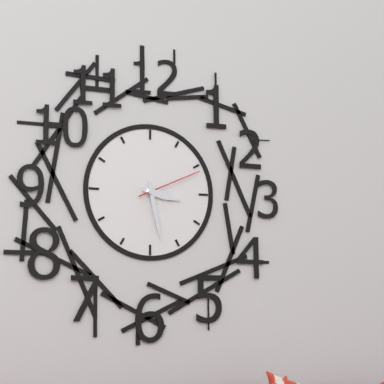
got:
**3:28:11**
